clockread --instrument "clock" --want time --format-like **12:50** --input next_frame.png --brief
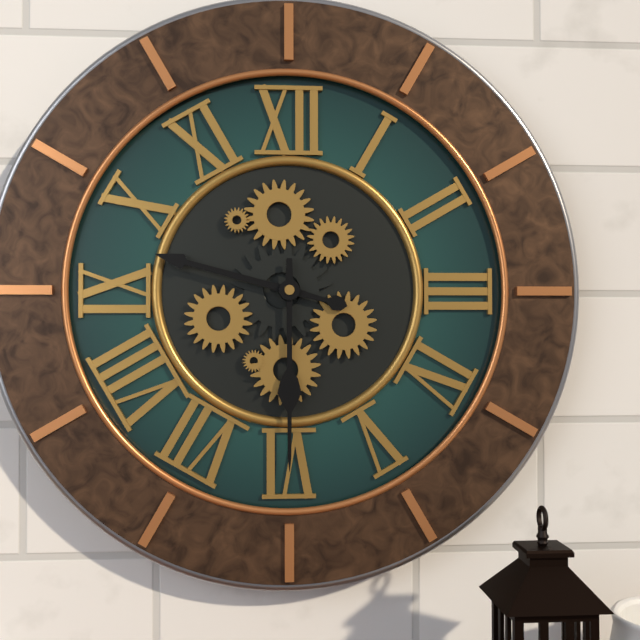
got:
**9:30**
